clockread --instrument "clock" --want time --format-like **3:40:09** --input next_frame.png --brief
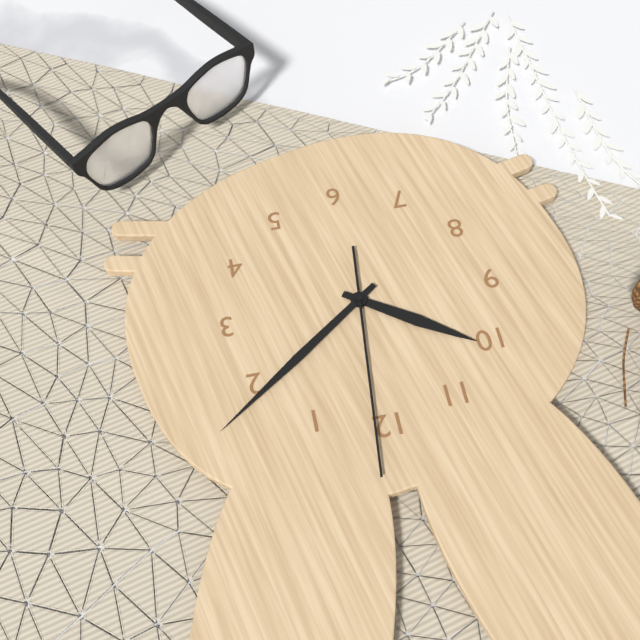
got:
**10:09:01**
